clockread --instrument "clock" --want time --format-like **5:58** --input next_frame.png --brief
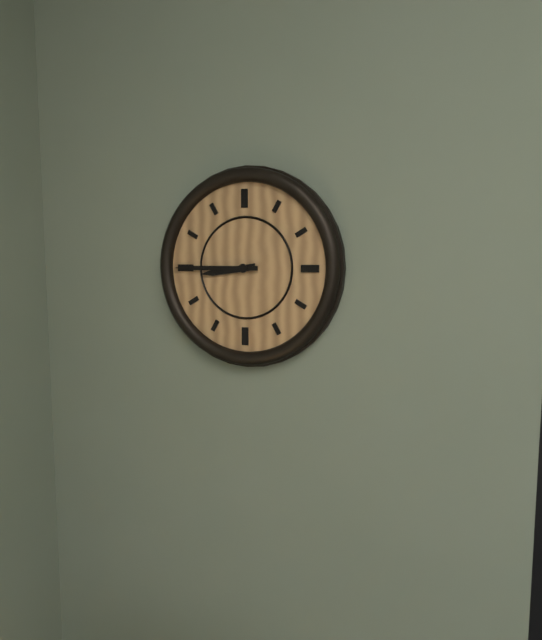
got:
**8:45**
